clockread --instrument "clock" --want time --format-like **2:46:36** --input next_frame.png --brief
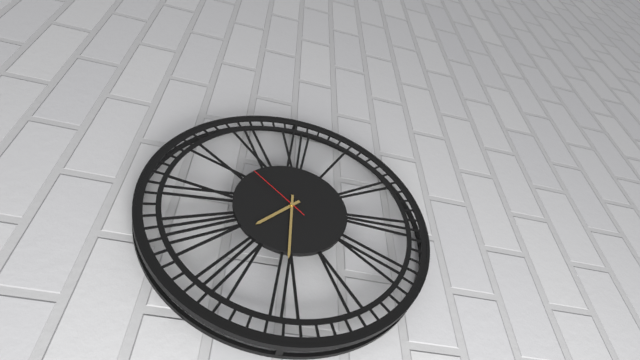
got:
**7:30:52**
